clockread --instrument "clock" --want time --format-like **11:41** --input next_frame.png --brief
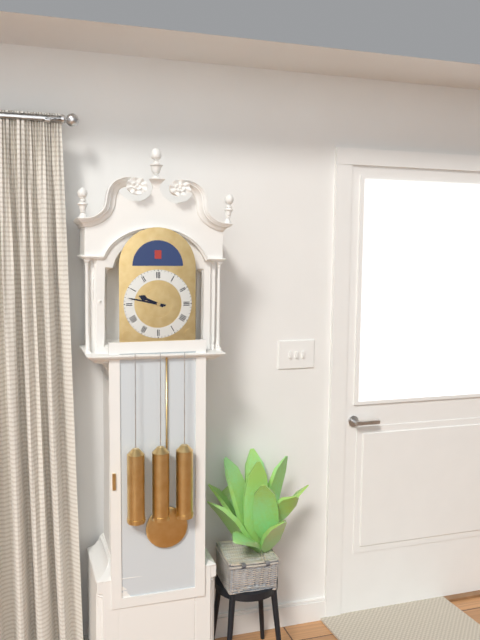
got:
**9:47**
